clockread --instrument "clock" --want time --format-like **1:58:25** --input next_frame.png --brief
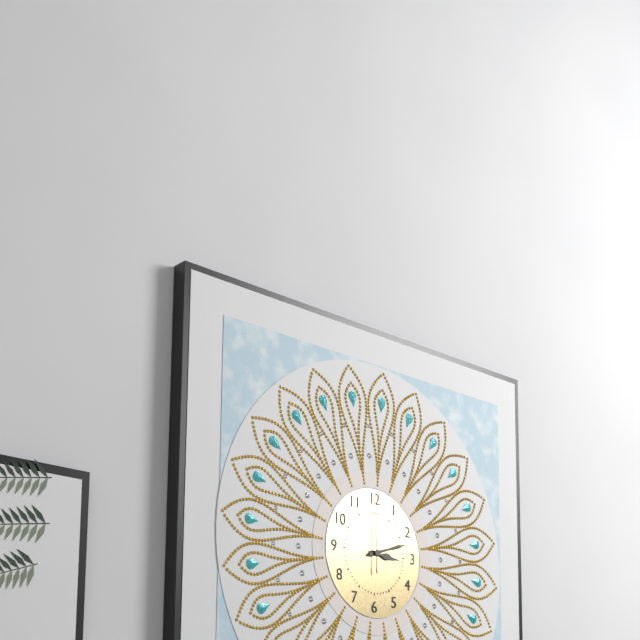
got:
**3:12:00**
